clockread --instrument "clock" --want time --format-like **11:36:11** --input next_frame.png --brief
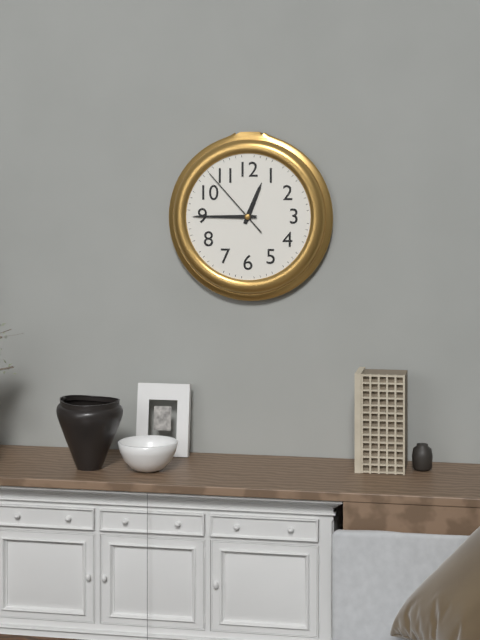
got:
**12:45:53**
